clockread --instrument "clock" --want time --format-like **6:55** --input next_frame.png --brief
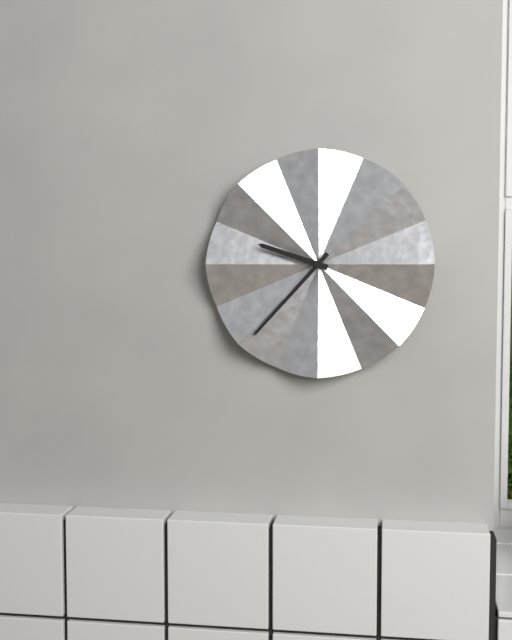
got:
**9:37**
